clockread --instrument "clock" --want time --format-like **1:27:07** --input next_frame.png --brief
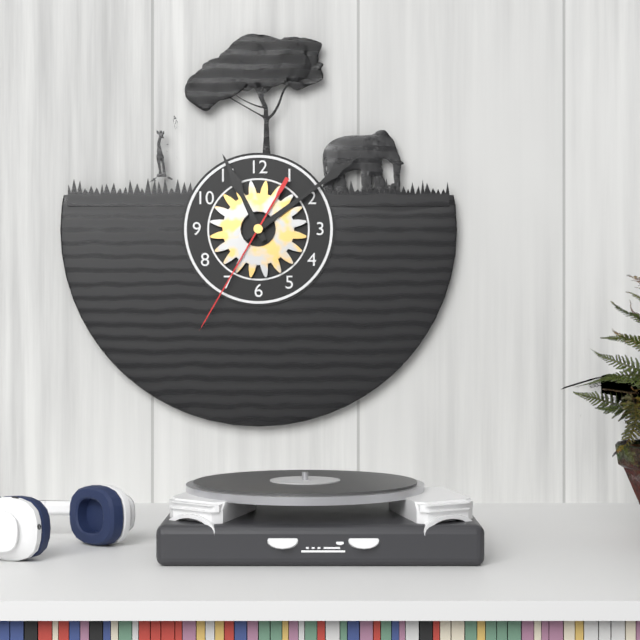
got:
**11:09:35**
